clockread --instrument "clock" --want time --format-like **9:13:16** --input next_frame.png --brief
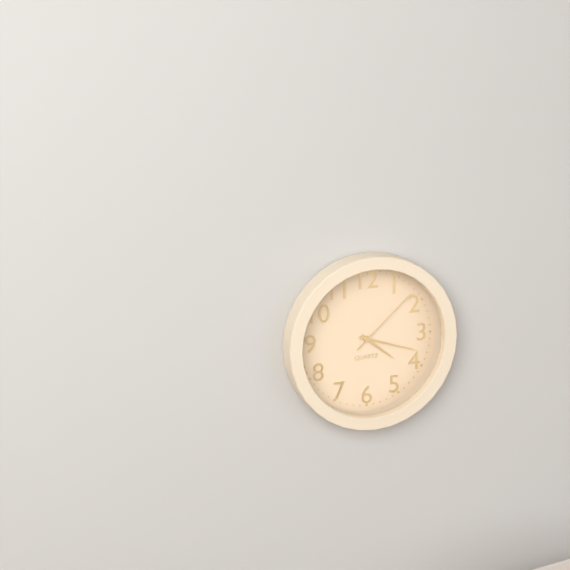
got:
**4:18:08**
